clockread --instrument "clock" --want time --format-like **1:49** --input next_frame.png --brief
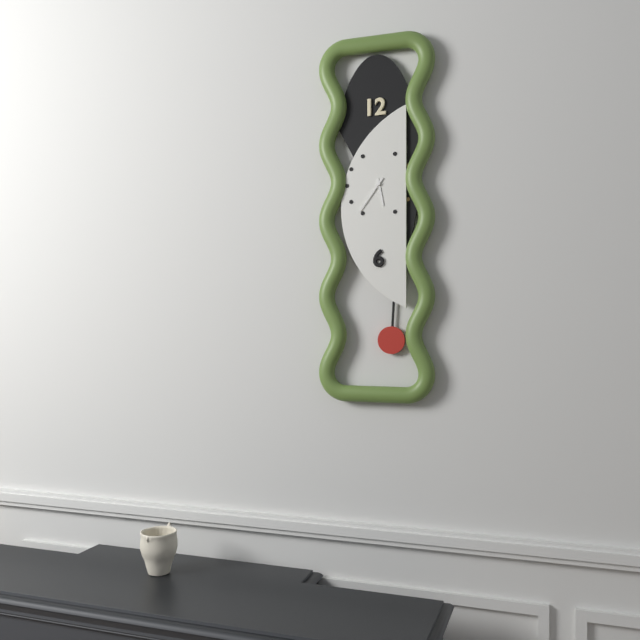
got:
**5:36**
